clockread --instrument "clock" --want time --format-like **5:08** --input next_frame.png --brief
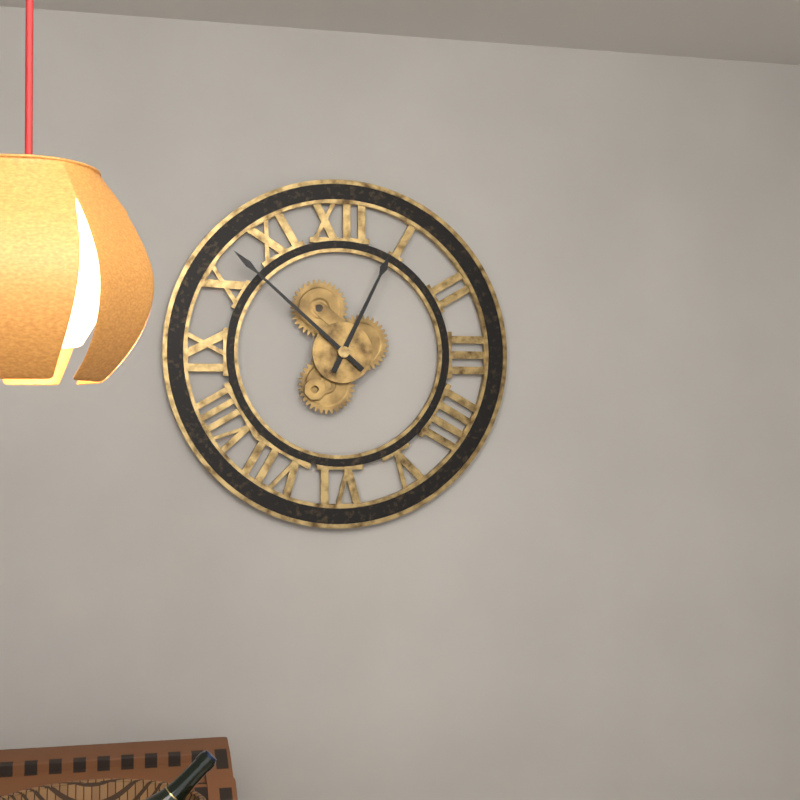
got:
**12:52**
